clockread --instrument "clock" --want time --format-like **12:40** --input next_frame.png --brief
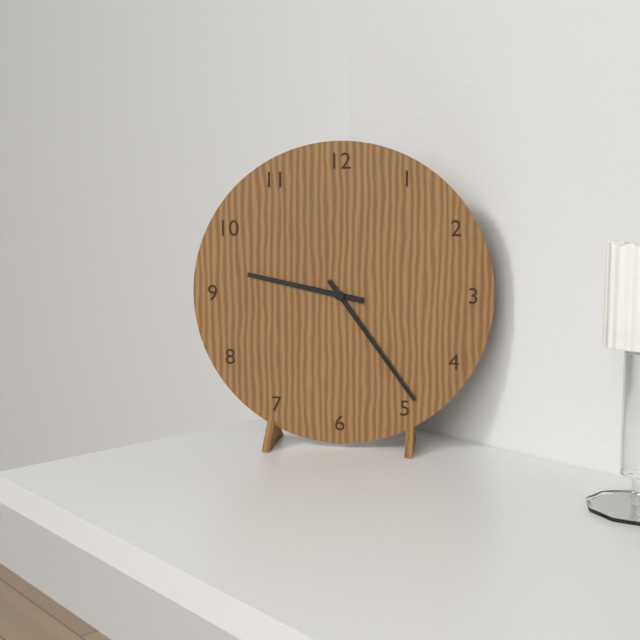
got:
**9:24**
